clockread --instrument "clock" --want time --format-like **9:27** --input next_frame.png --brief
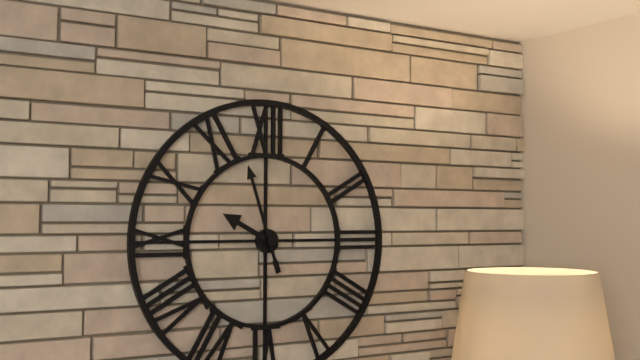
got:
**9:57**
